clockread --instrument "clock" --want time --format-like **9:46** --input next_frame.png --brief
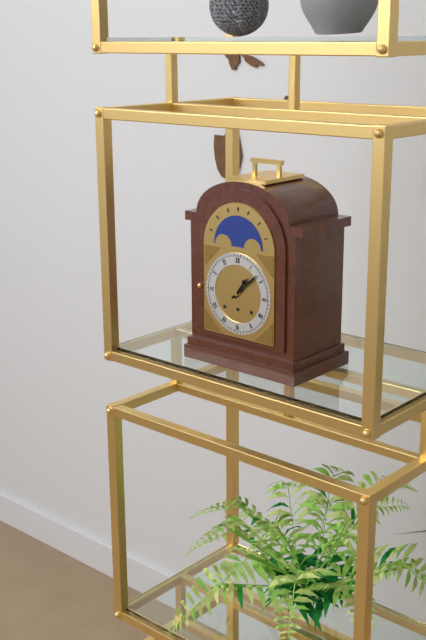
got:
**1:08**
